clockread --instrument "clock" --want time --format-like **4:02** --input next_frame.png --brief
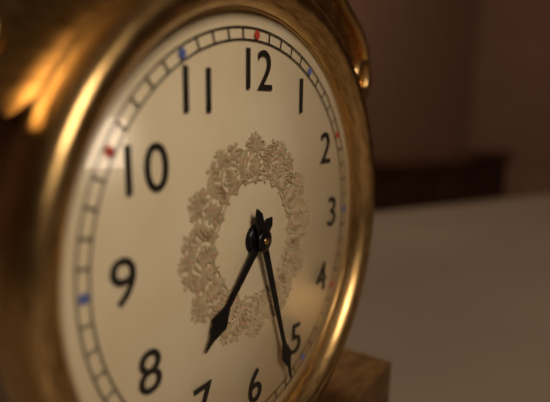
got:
**7:27**
